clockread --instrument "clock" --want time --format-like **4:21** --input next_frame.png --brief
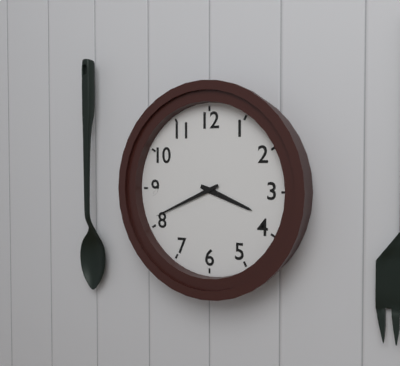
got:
**3:41**
